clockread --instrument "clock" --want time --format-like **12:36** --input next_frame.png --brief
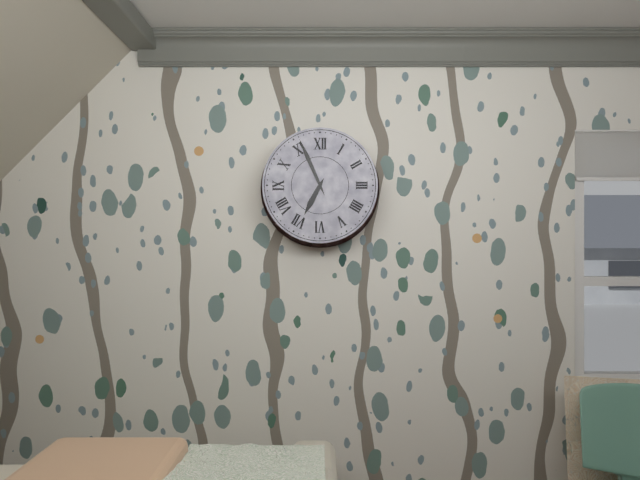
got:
**6:56**
